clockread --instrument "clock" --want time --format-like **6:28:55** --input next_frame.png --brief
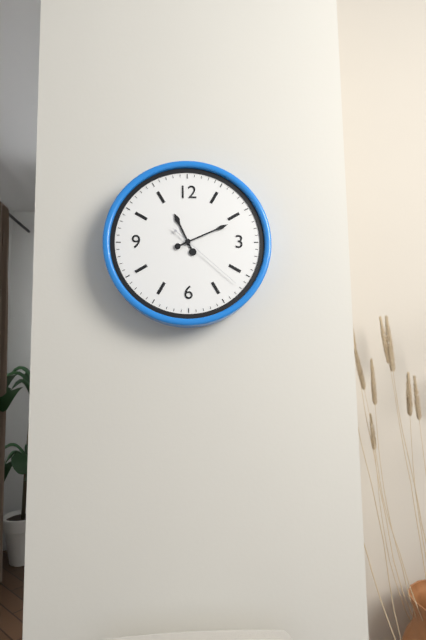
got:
**11:11:22**
